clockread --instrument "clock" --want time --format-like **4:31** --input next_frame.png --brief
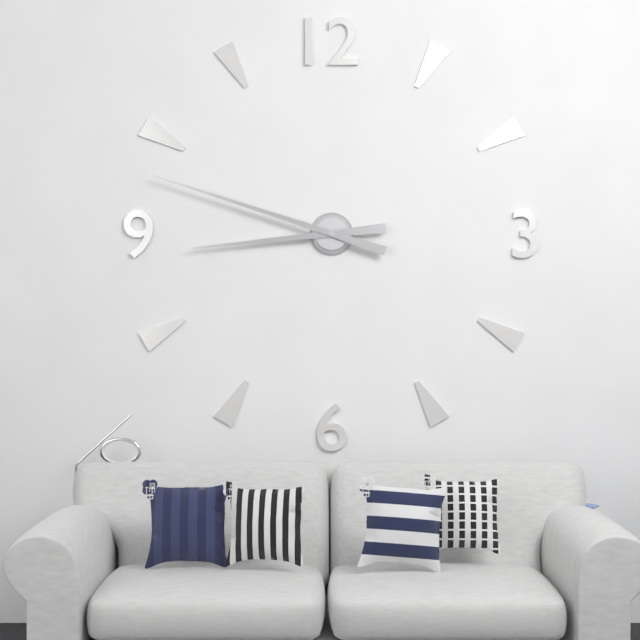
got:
**8:48**
